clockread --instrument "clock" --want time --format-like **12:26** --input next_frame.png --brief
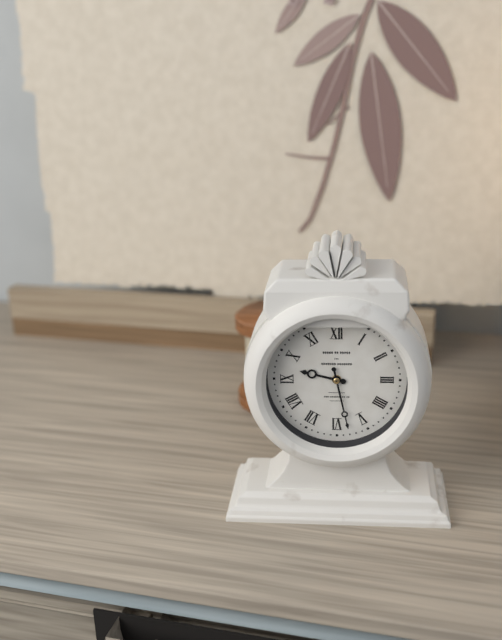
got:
**9:28**
